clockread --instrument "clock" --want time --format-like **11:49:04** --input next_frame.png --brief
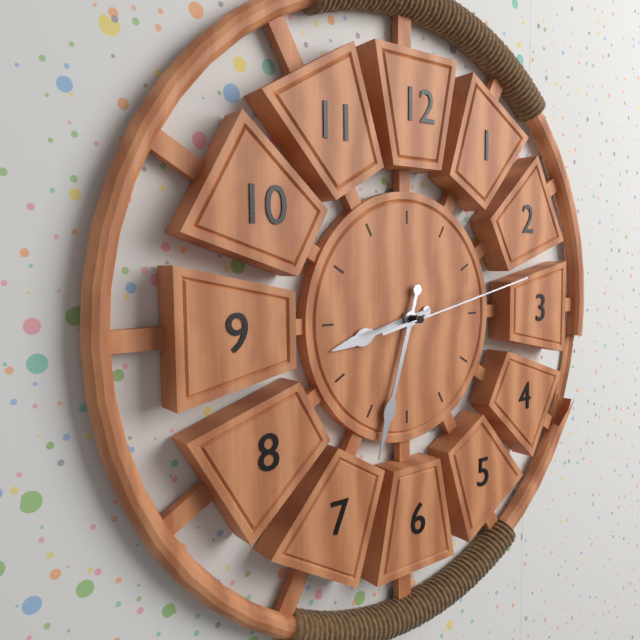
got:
**8:33:13**
